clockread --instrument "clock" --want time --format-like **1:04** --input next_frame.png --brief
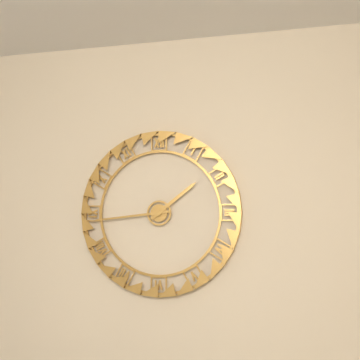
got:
**1:44**
